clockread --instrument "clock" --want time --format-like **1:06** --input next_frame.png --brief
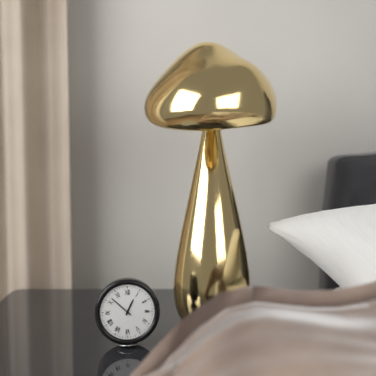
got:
**12:52**
